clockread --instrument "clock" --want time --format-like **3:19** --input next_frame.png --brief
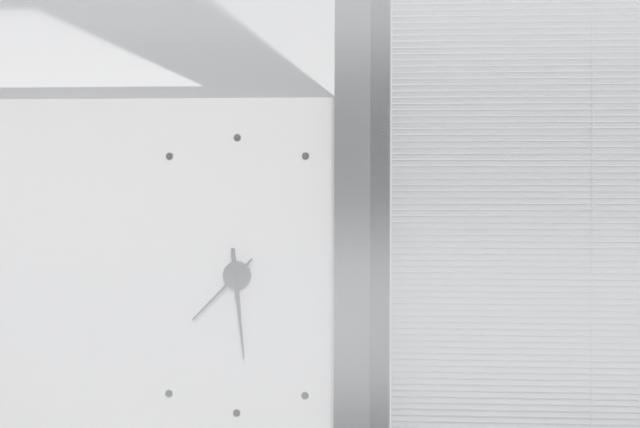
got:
**7:29**
